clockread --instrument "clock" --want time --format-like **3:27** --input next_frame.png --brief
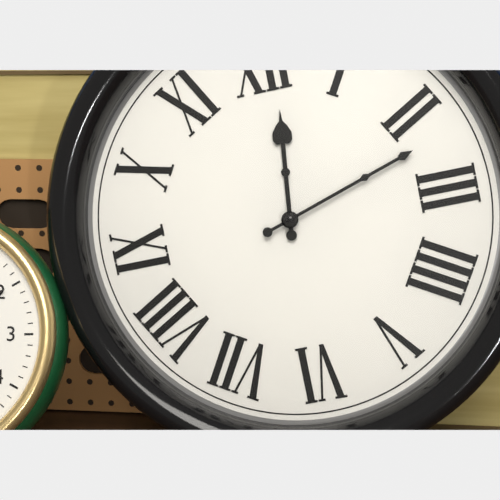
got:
**12:12**
